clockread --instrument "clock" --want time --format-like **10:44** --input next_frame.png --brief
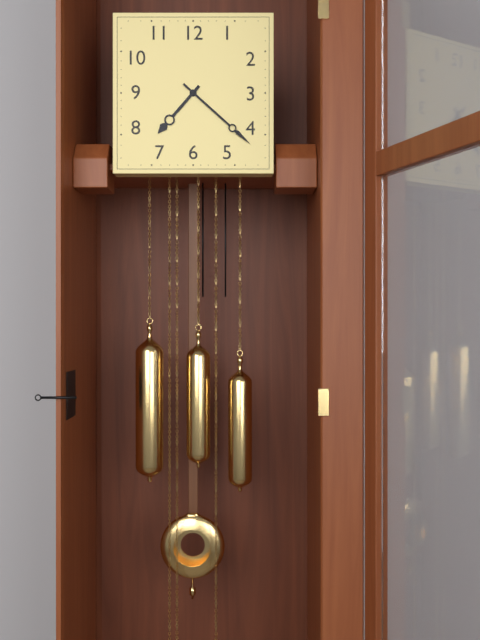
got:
**7:22**
